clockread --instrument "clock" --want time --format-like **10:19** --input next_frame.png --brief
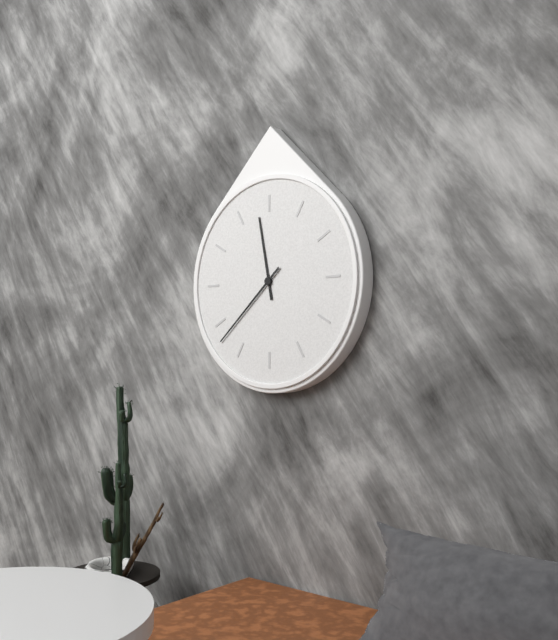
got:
**11:38**
